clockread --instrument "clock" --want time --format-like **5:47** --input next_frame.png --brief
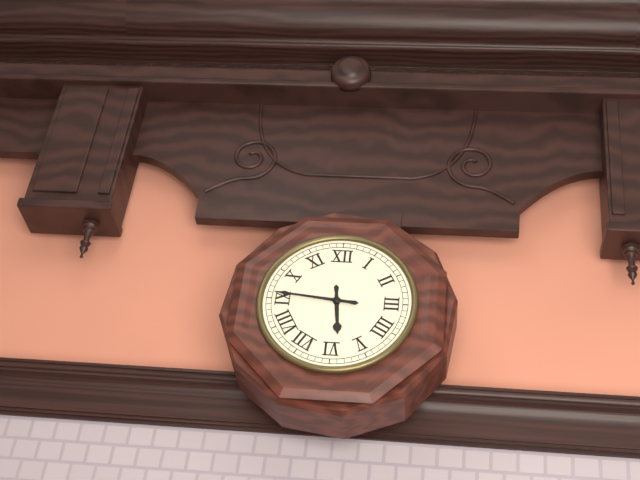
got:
**5:46**
